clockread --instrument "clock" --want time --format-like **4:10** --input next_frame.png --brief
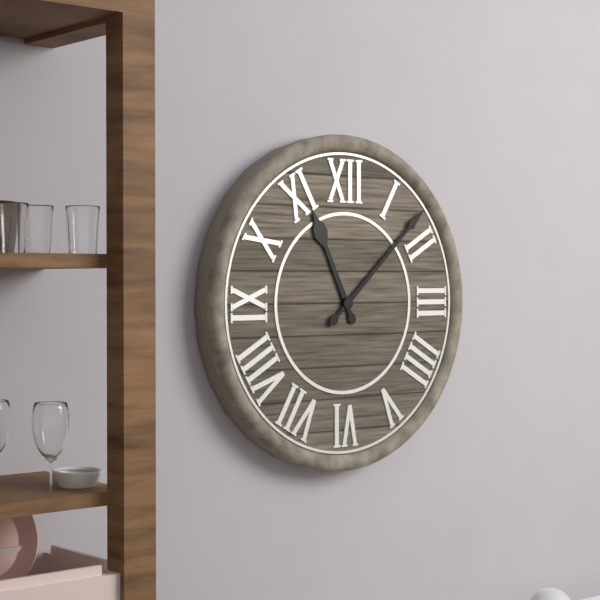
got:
**11:08**
